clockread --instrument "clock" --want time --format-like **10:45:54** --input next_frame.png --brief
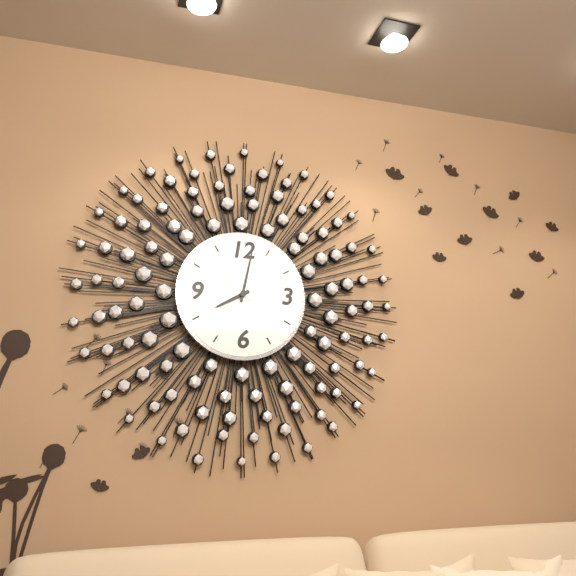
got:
**8:02:51**
